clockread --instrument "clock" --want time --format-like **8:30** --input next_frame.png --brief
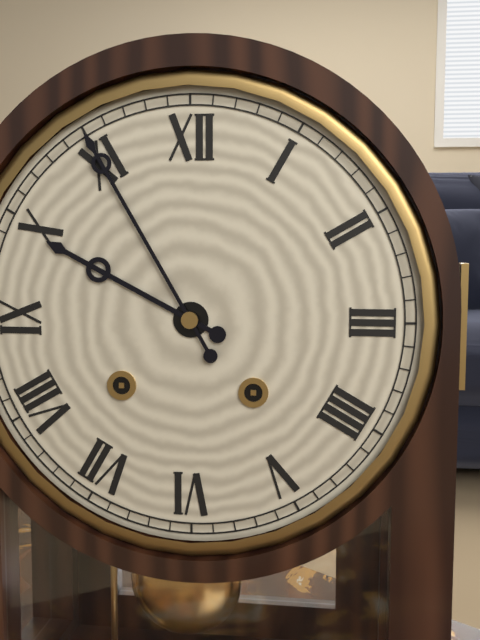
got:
**9:55**
